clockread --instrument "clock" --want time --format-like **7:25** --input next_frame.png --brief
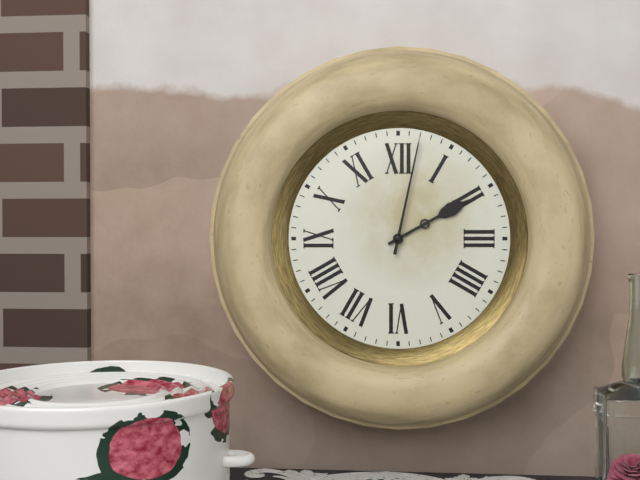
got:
**2:02**
